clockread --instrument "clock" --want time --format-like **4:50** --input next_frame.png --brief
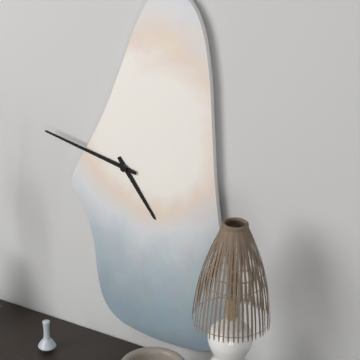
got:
**4:47**
